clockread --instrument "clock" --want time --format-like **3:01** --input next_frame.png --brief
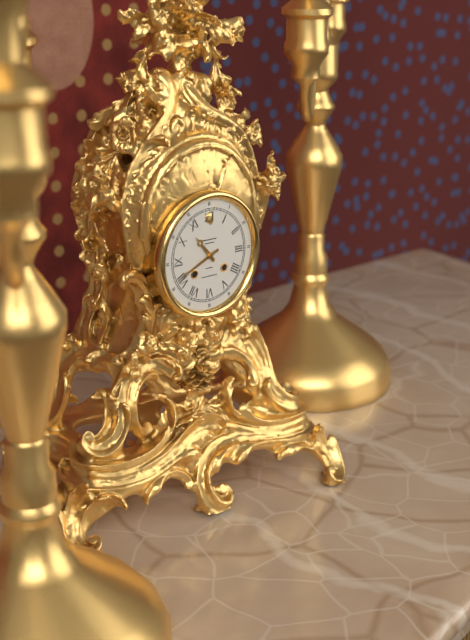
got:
**10:41**
